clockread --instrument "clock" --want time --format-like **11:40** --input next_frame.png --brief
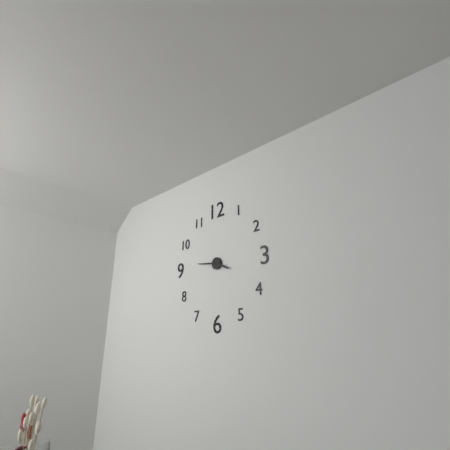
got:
**3:46**
